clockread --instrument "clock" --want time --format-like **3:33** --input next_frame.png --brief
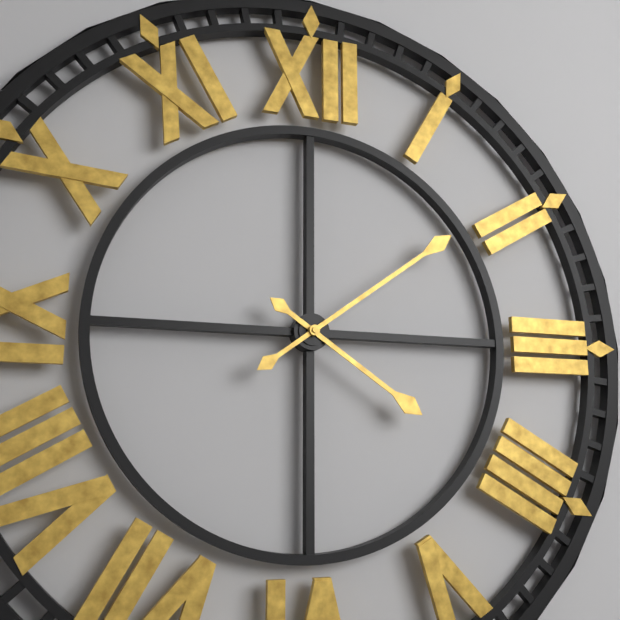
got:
**4:09**
